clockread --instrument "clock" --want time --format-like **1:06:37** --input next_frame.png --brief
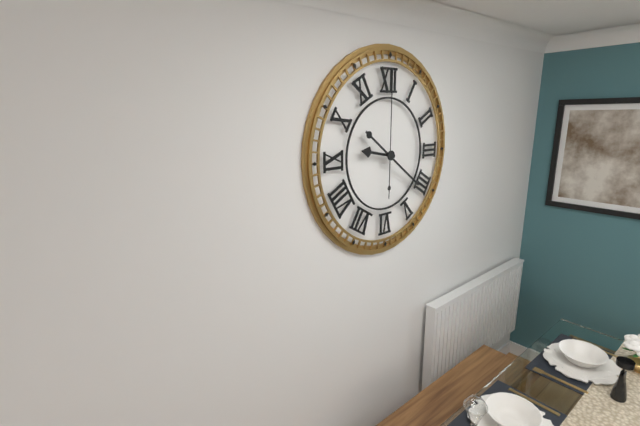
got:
**9:21:00**
